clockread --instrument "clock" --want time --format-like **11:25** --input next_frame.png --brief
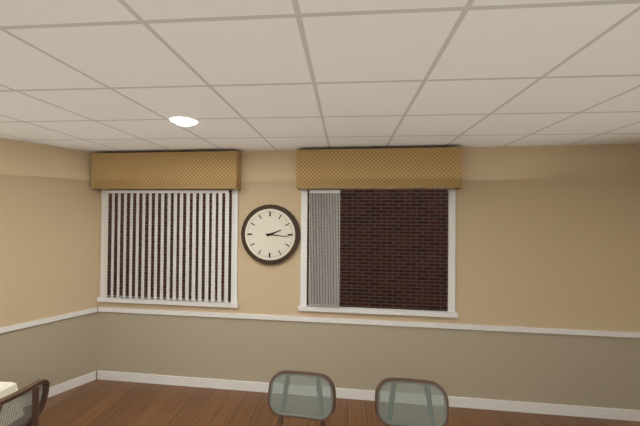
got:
**2:16**
